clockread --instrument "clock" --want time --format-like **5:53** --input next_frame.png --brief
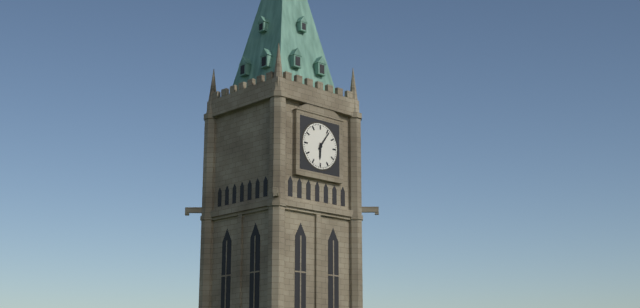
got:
**6:06**
